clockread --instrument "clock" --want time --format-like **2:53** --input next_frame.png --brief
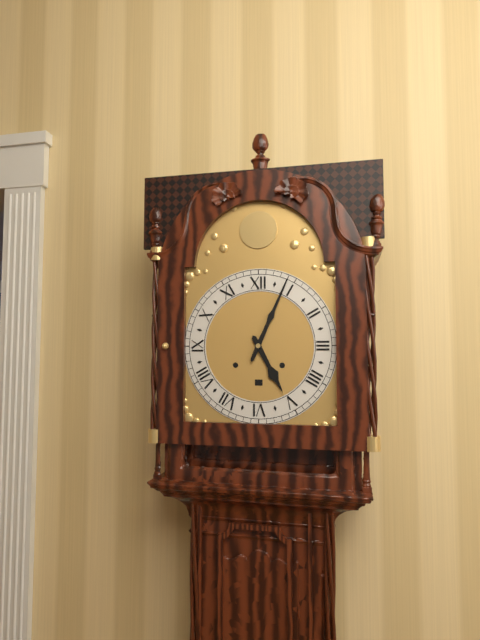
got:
**5:04**
